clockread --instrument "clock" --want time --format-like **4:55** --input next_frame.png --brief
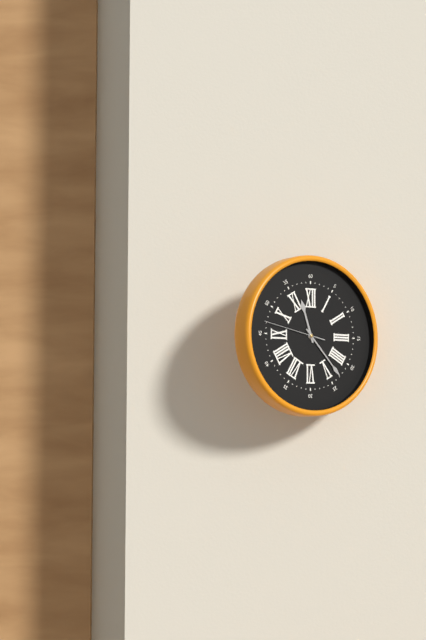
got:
**11:23**
